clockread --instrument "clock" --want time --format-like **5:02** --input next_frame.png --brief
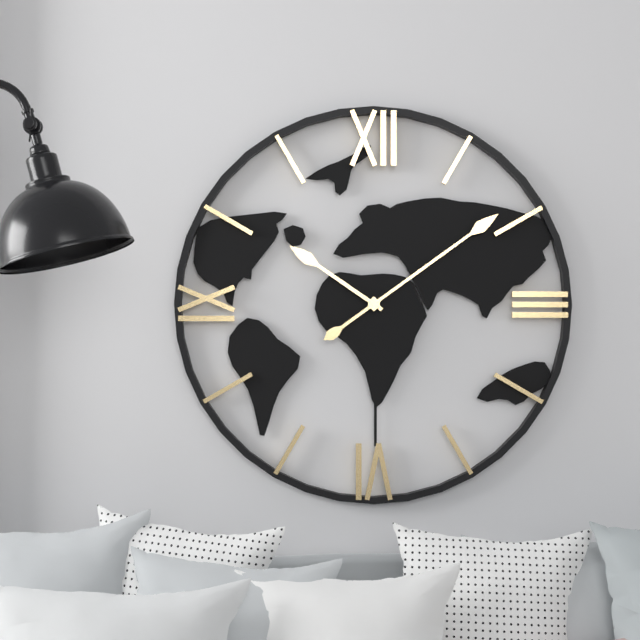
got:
**10:09**
